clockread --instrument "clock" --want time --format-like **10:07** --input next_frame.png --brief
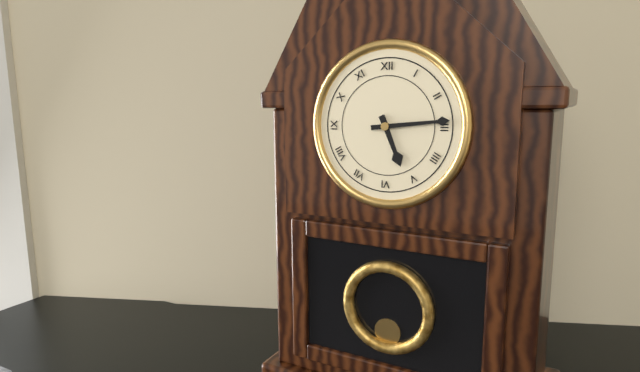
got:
**5:14**
